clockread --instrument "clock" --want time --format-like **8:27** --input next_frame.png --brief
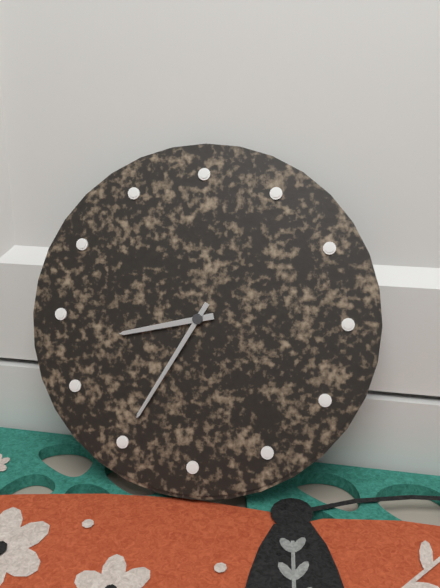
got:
**8:35**
